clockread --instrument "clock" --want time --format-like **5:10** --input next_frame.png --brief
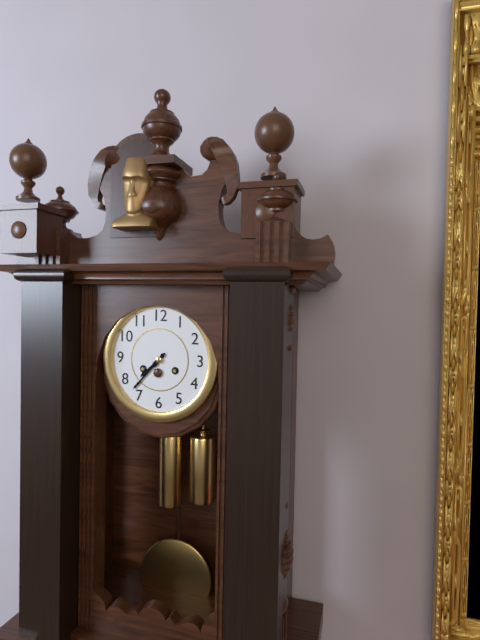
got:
**7:37**
